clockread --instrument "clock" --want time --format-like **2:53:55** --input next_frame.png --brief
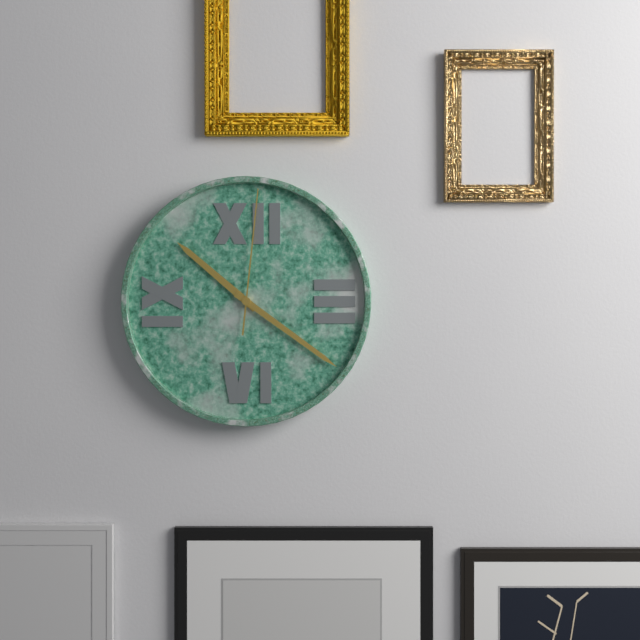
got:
**10:21:01**
